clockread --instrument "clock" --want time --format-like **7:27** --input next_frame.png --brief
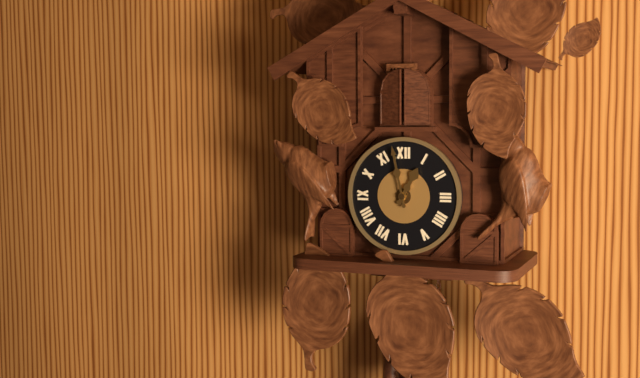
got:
**12:58**
